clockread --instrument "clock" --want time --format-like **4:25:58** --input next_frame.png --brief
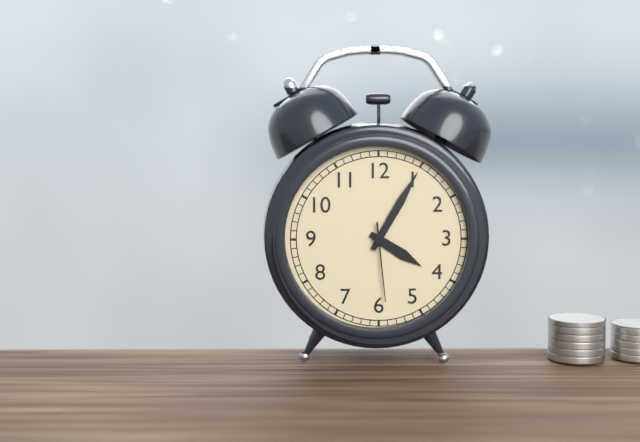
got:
**4:05:29**
